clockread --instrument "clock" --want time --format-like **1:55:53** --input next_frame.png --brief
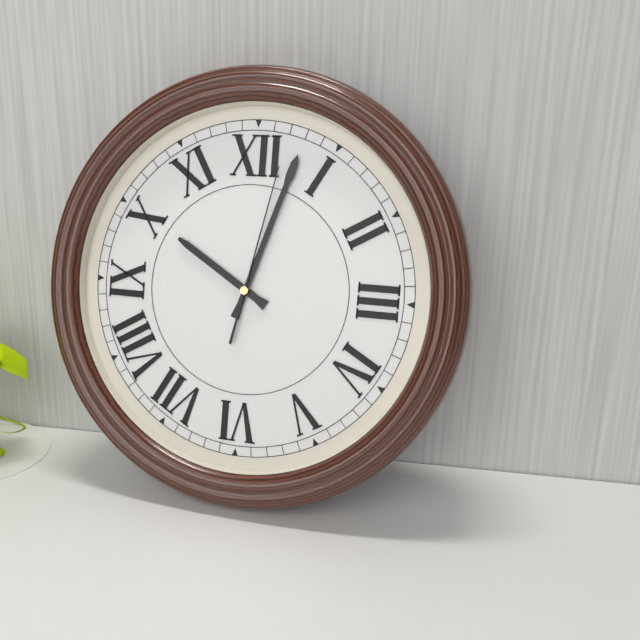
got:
**10:03:02**
